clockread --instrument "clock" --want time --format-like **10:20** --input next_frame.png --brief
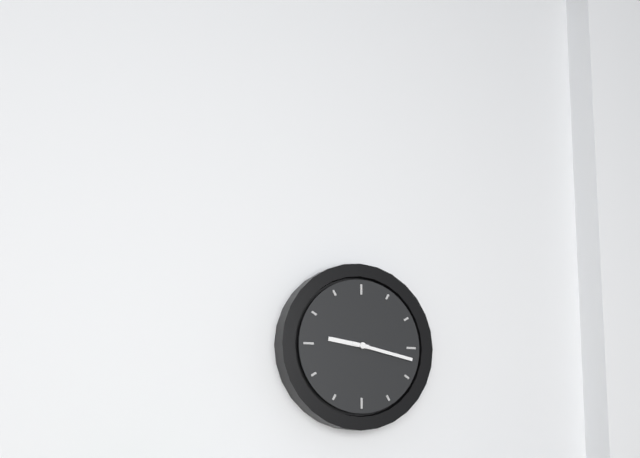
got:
**9:17**
